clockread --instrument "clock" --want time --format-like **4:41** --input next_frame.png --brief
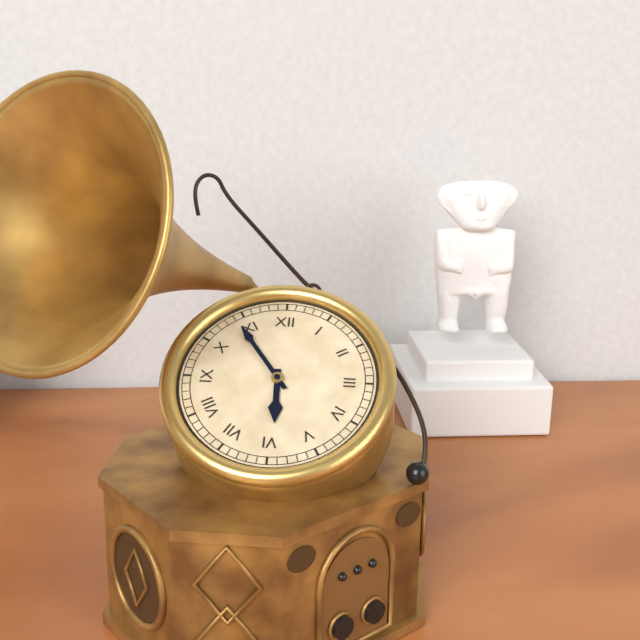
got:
**5:54**
